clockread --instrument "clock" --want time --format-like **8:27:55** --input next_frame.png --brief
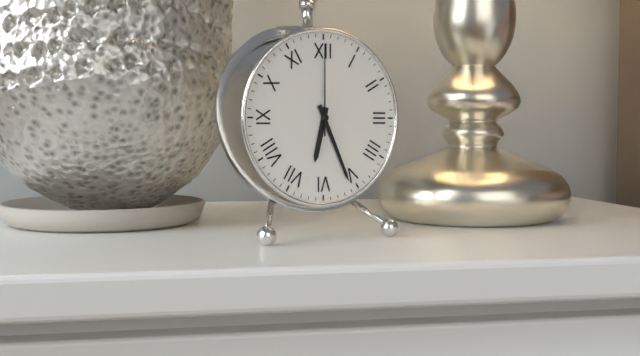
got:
**6:26:00**
